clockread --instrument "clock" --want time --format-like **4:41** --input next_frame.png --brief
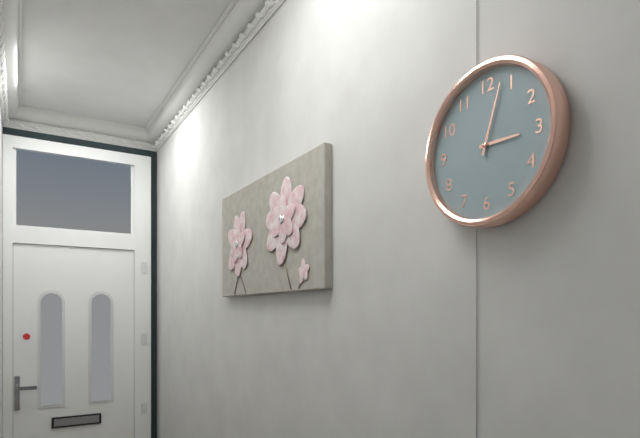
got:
**3:03**
